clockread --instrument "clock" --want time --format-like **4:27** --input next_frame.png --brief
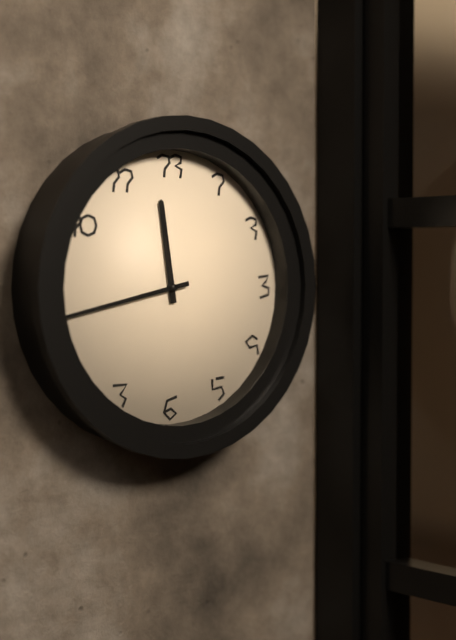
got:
**11:43**
